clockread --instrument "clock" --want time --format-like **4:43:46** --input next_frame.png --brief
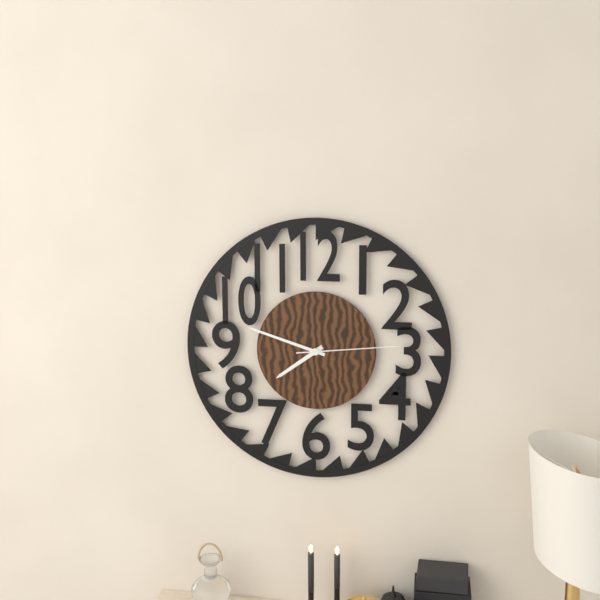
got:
**7:48:14**
